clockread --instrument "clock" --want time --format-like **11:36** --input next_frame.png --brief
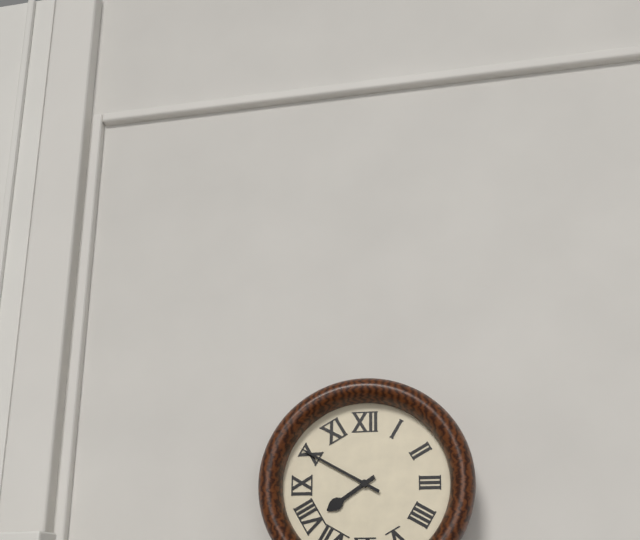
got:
**7:50**
